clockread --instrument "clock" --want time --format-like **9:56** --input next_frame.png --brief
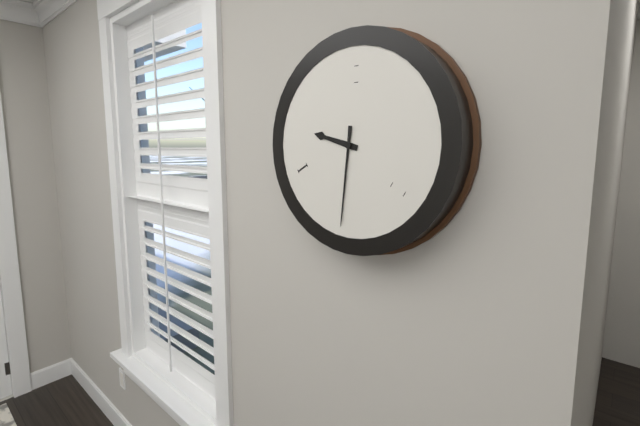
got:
**9:31**
